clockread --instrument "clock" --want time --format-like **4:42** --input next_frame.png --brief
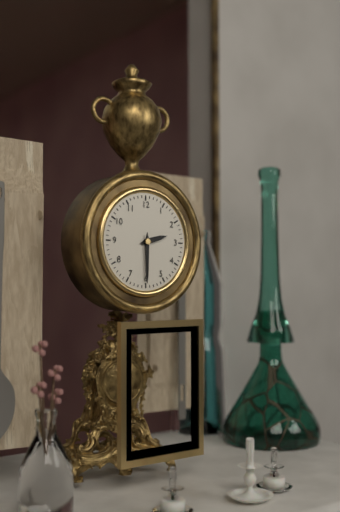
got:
**2:30**
